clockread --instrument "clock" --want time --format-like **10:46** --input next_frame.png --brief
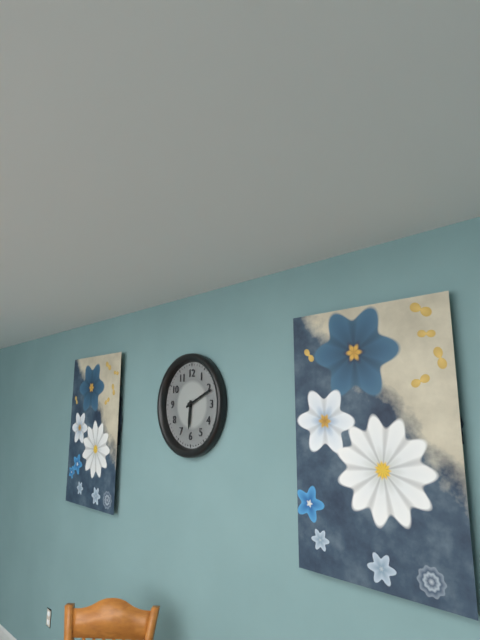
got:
**6:11**
